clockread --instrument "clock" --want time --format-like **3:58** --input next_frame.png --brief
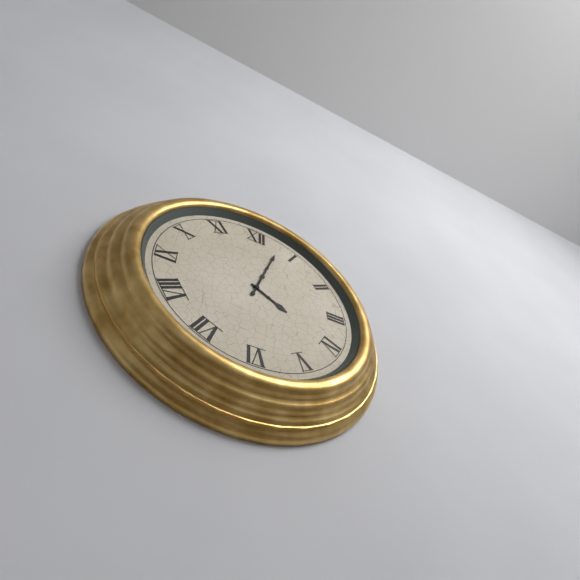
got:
**4:03**
